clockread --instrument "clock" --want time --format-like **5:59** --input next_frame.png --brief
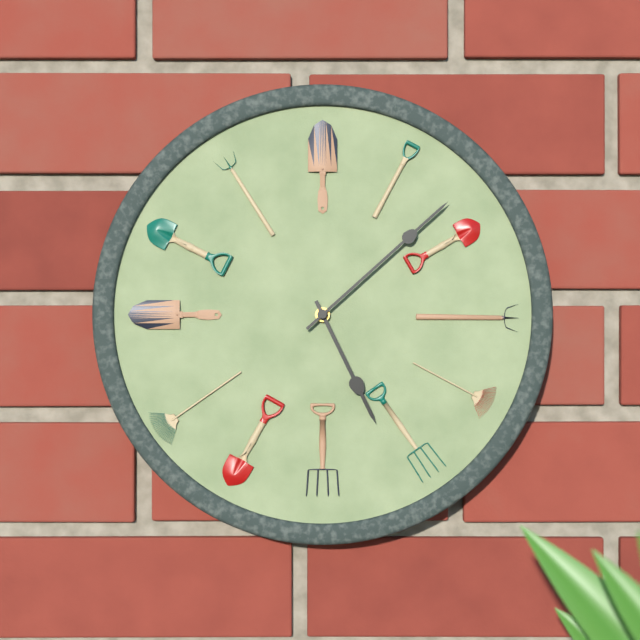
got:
**5:08**
